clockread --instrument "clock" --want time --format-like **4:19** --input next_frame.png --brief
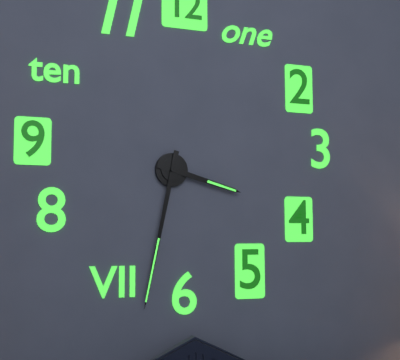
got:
**3:32**
